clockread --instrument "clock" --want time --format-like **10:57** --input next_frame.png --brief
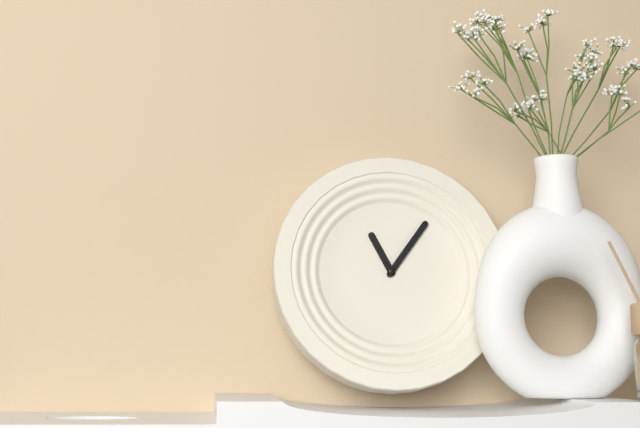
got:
**11:06**
